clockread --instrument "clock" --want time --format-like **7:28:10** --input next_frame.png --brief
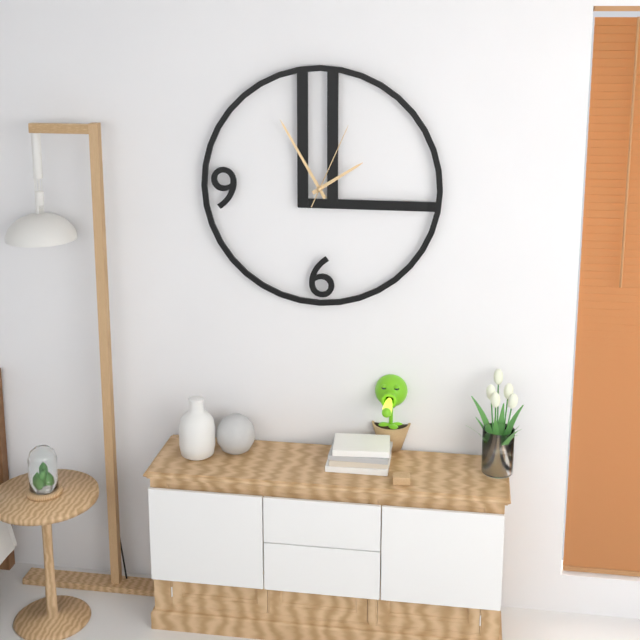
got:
**1:55:04**
